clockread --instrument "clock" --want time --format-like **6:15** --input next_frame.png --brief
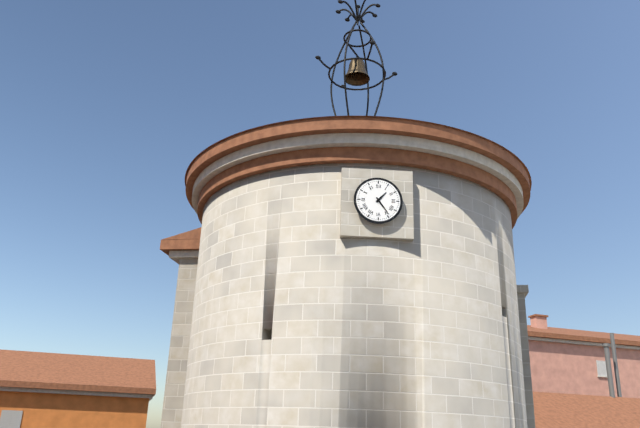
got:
**1:24**
